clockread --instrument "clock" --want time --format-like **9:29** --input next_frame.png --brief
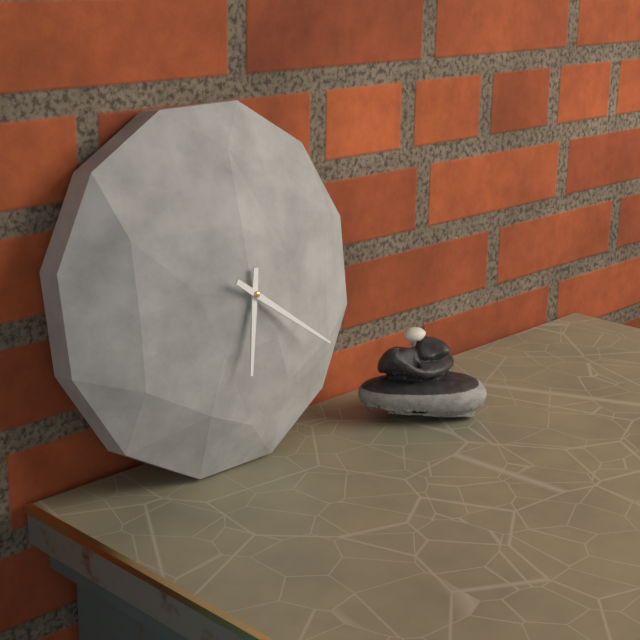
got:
**6:21**
